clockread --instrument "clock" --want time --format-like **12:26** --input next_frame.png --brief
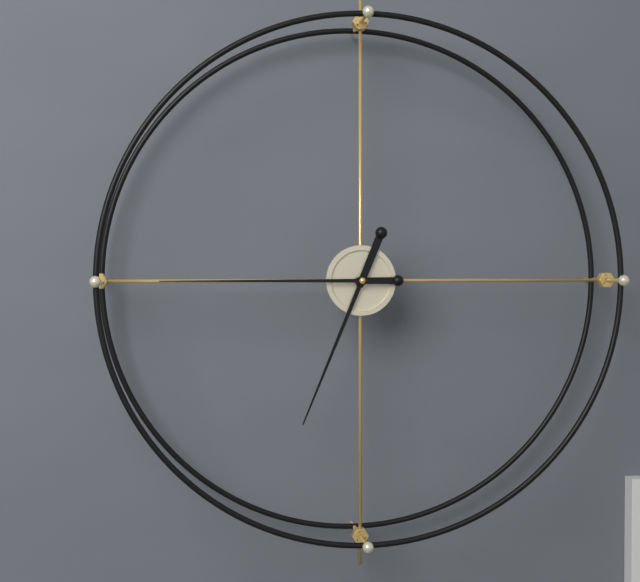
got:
**6:45**
